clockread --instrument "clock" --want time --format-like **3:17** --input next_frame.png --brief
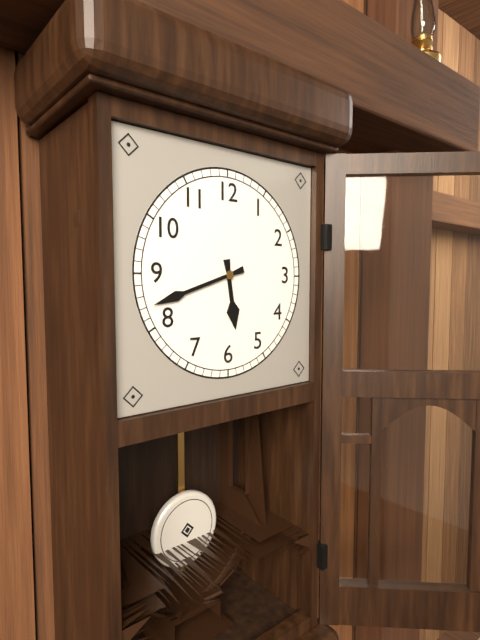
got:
**5:42**
